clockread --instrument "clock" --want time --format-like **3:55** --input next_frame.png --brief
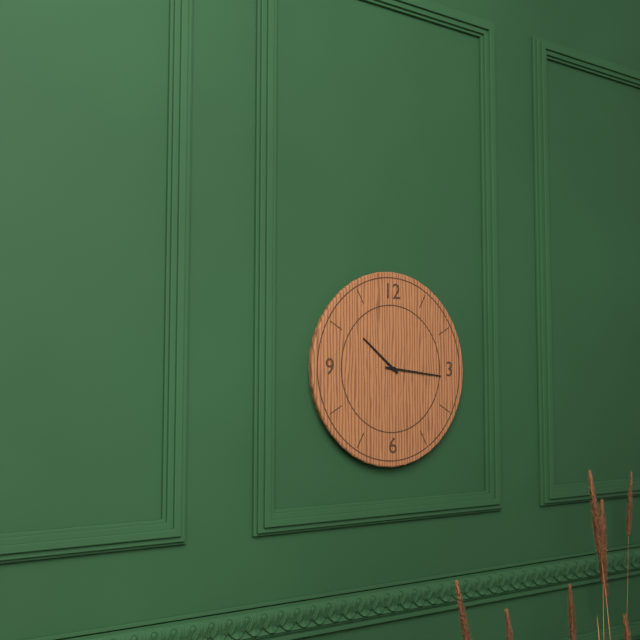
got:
**10:16**
